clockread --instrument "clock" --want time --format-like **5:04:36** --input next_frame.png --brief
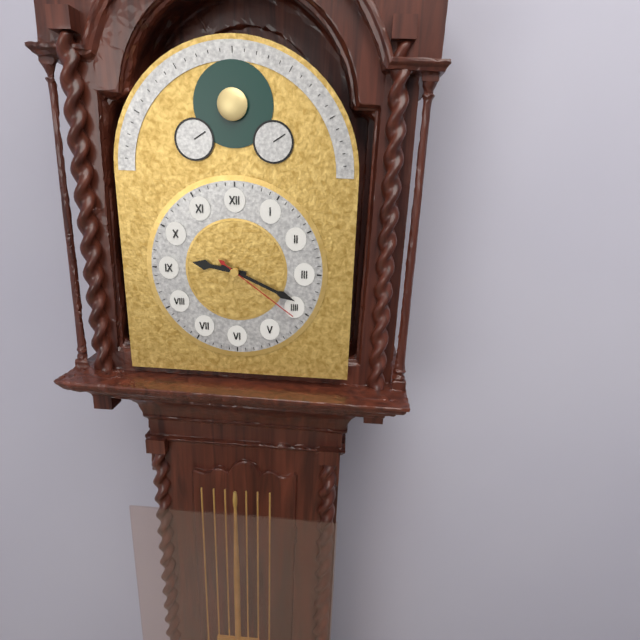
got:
**9:19:21**
